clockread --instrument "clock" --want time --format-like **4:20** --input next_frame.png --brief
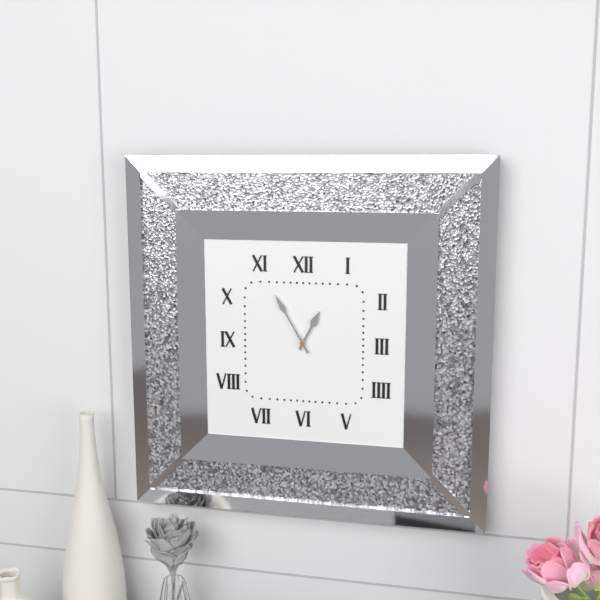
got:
**12:55**
